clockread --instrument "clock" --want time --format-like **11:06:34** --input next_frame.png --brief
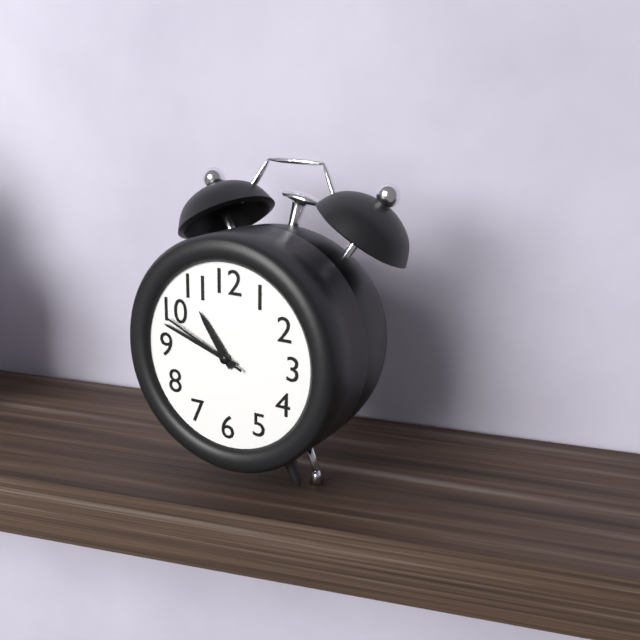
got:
**10:48:49**
